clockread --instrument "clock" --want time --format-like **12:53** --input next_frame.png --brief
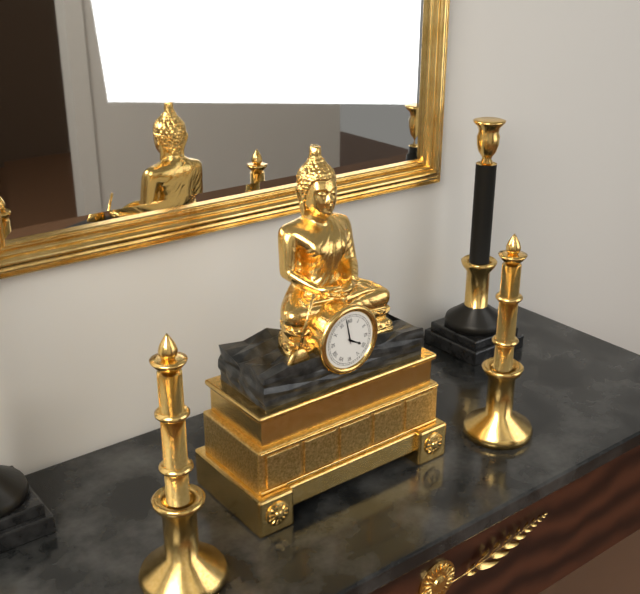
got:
**3:58**
